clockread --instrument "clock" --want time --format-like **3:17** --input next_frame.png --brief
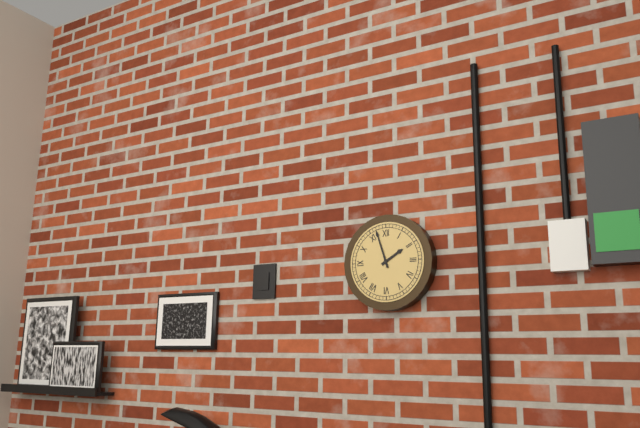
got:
**1:57**
